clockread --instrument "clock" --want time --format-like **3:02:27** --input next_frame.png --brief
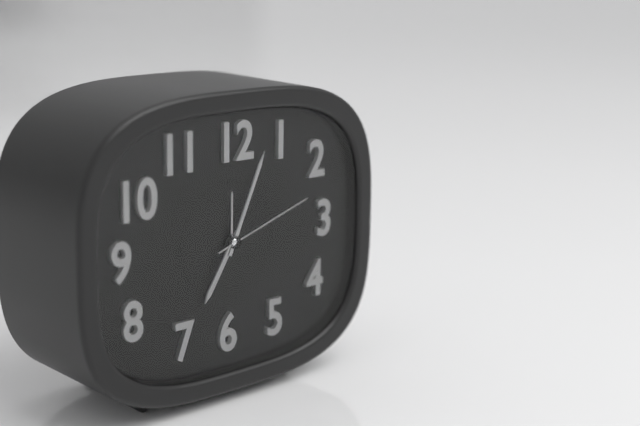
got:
**7:04:12**
